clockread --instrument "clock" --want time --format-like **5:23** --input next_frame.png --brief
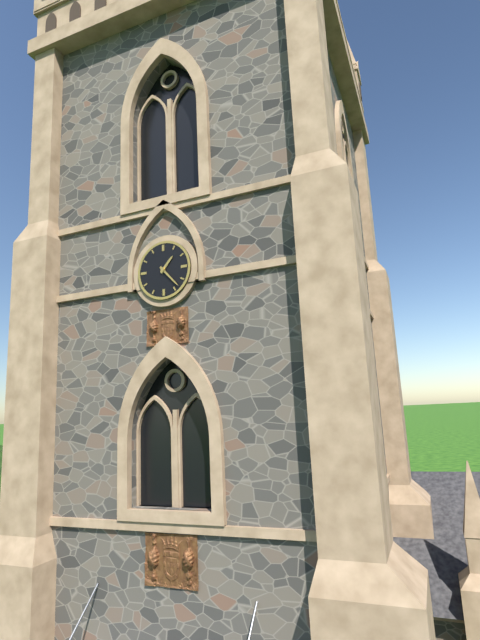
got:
**1:23**
